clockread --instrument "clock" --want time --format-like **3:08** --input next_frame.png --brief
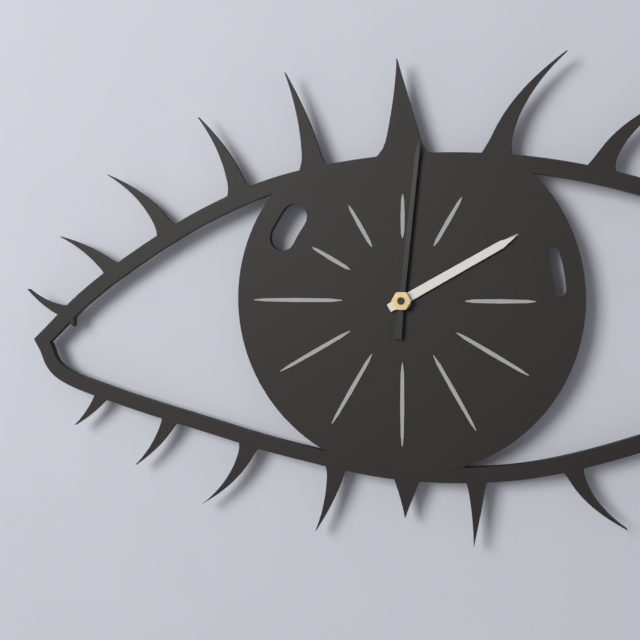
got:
**2:01**
